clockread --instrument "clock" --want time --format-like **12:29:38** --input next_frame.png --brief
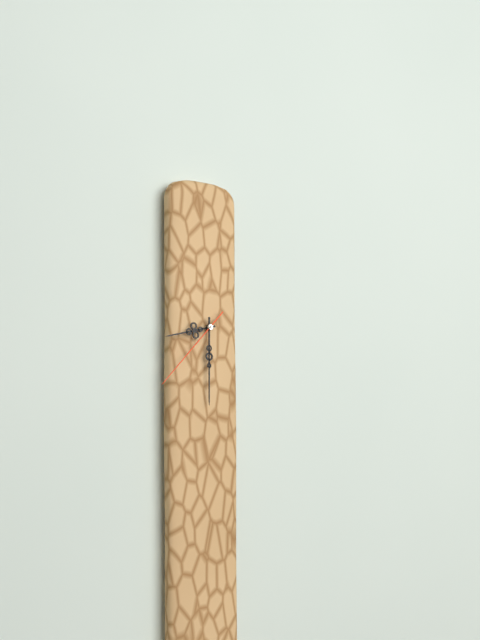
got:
**8:30:37**
